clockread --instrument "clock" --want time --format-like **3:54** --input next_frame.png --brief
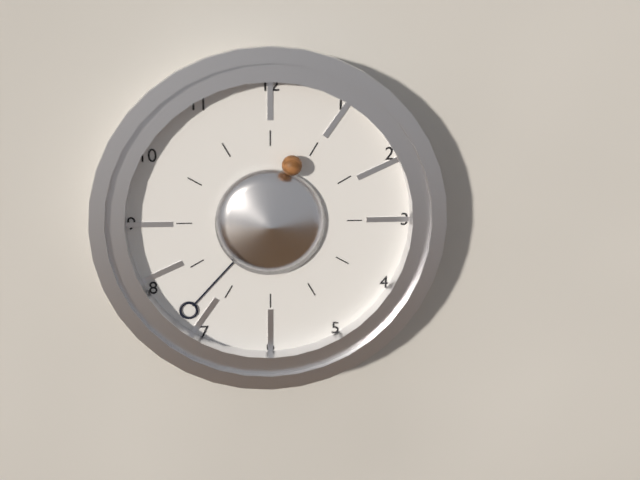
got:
**12:37**
